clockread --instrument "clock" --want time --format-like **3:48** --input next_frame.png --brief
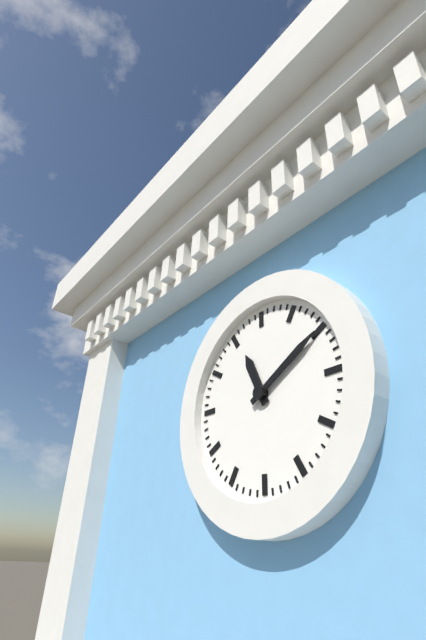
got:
**11:10**
